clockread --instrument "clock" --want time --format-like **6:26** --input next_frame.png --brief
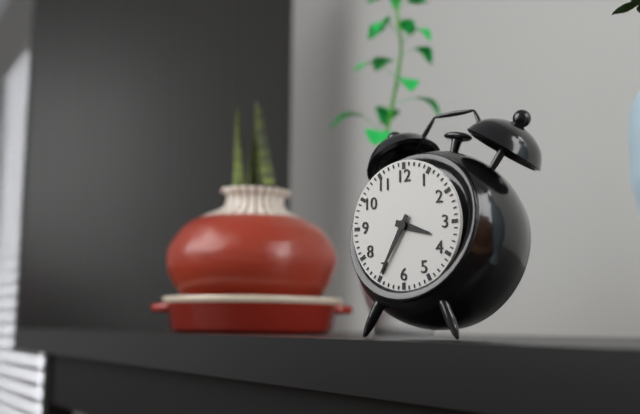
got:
**3:35**
